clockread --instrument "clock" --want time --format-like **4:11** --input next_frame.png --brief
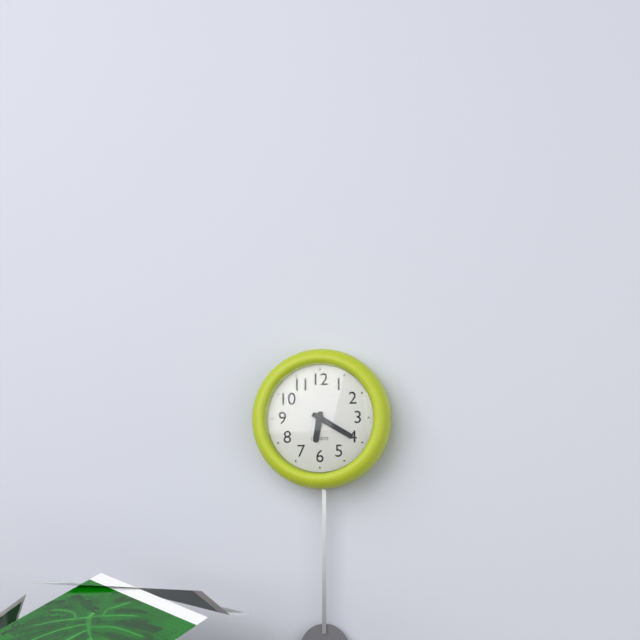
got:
**6:20**
